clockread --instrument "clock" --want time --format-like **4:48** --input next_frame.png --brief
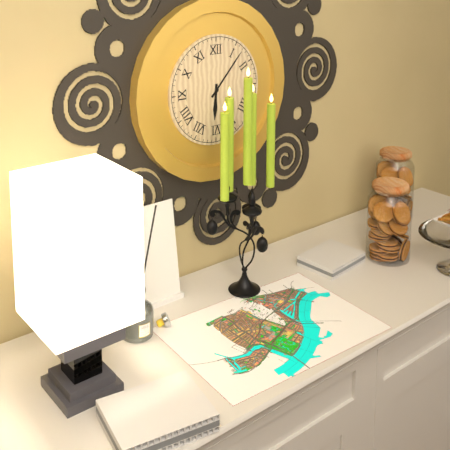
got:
**6:07**
